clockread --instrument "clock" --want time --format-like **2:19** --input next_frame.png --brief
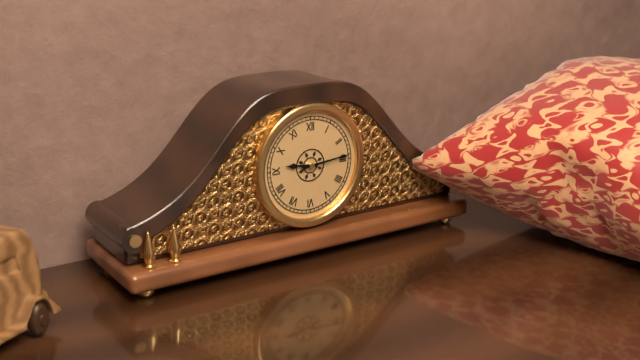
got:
**9:14**
